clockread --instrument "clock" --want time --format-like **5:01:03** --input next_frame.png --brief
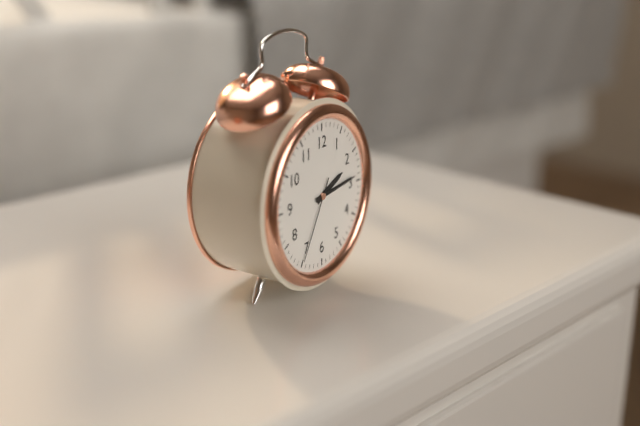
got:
**2:14:35**
